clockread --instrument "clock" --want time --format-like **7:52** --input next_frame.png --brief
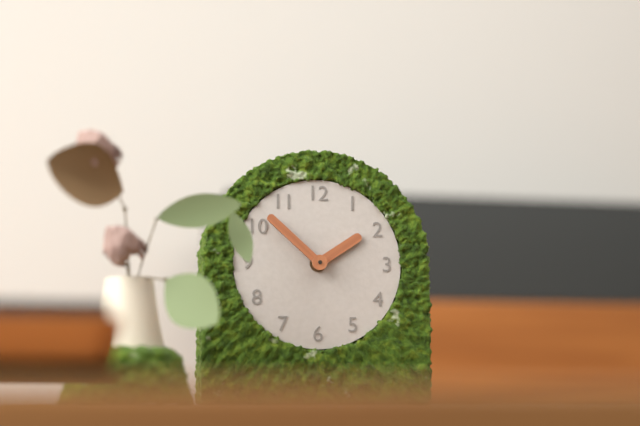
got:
**1:52**
